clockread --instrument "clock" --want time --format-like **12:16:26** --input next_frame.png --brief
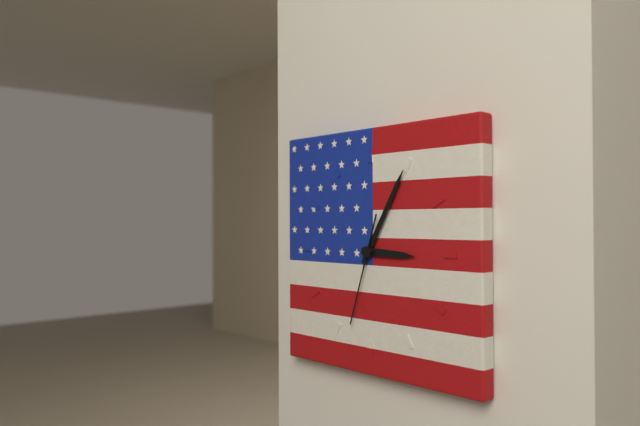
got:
**3:05:33**
